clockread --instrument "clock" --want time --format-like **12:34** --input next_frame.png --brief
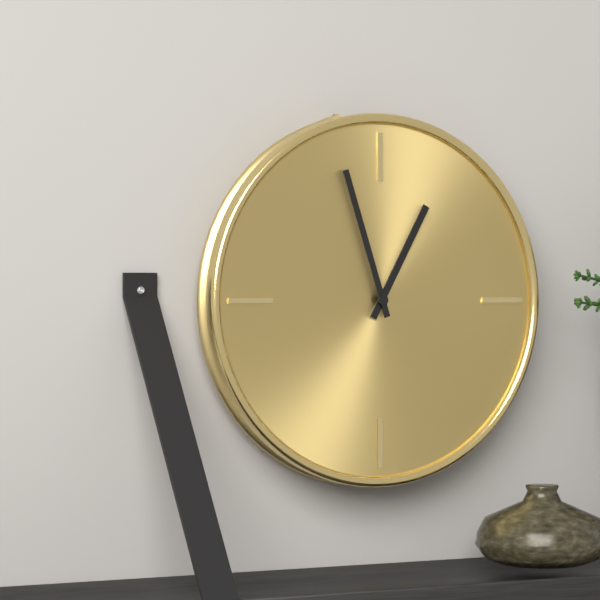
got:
**12:57**
